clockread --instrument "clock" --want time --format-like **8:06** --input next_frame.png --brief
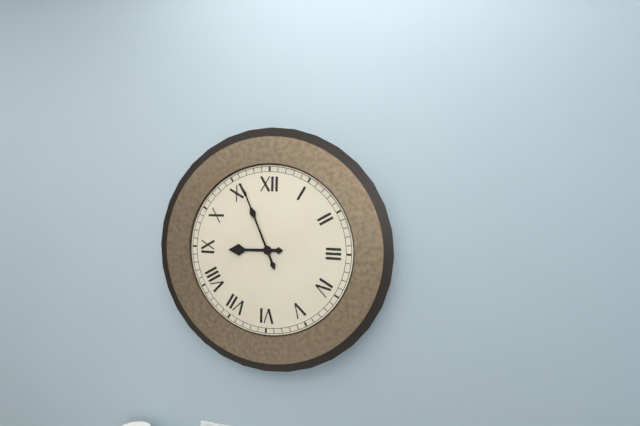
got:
**8:56**
